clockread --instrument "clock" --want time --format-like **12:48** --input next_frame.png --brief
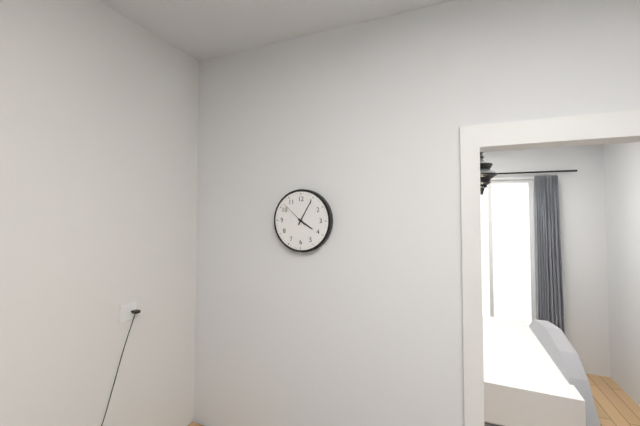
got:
**4:05**
